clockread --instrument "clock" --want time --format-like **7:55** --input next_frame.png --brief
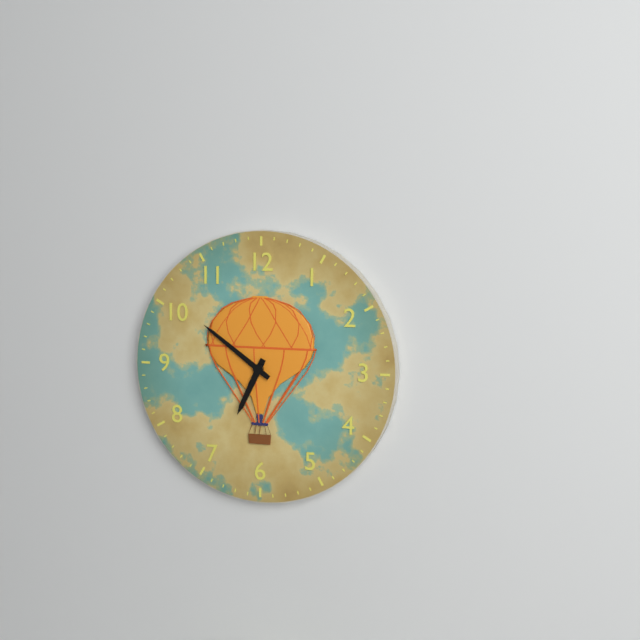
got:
**6:51**
